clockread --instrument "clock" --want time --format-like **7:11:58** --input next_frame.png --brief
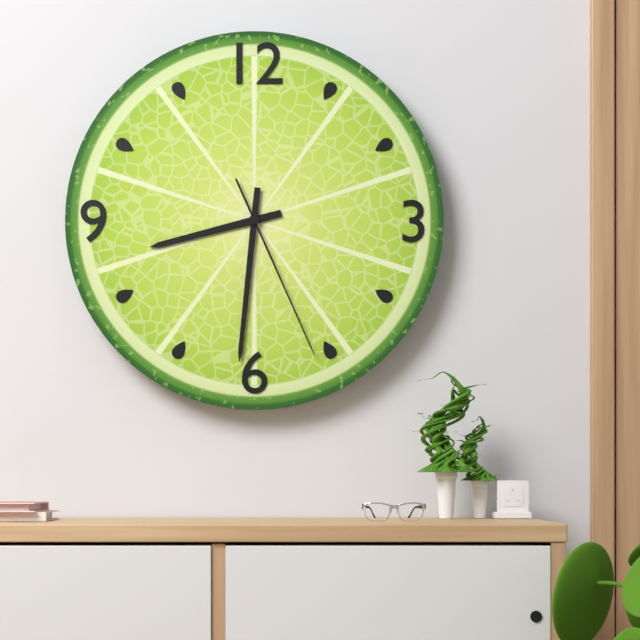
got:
**8:31:26**
